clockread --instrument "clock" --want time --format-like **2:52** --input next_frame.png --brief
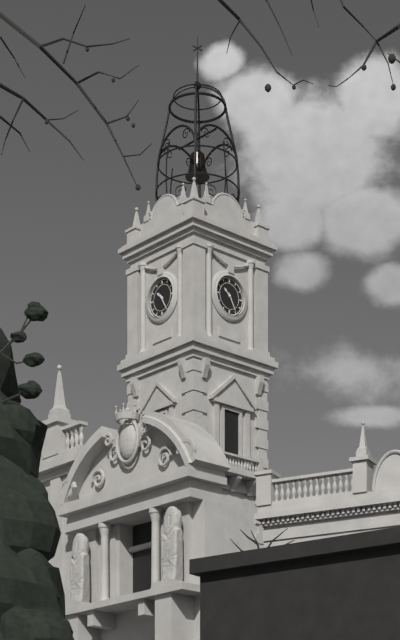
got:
**10:25**
